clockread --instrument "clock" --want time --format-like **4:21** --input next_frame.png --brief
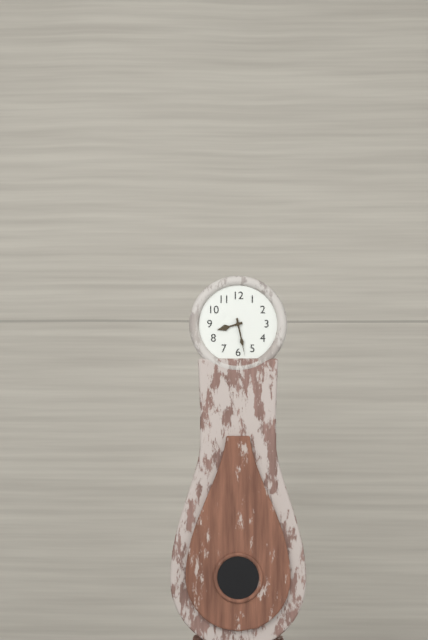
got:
**8:28**
